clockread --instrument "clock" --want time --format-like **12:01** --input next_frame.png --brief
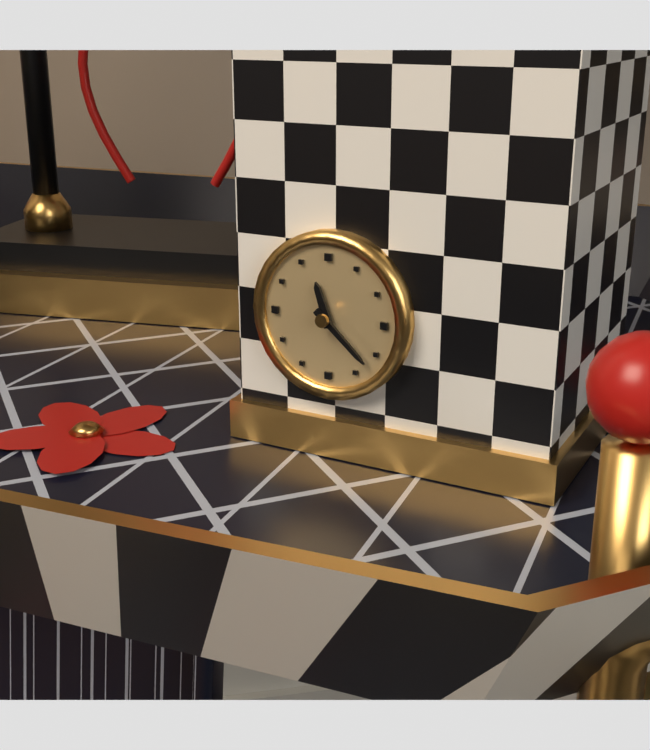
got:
**11:22**
